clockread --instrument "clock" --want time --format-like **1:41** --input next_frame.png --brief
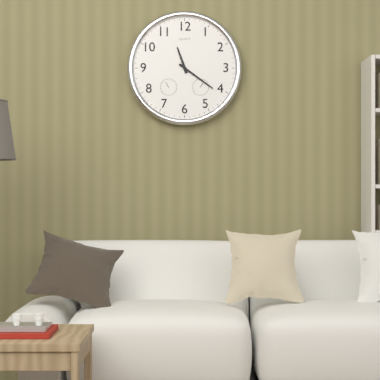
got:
**11:21**
